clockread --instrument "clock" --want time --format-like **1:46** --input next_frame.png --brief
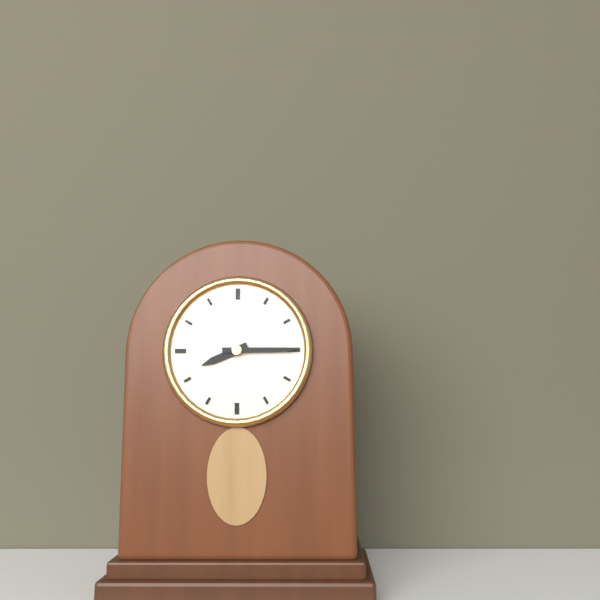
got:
**8:15**
